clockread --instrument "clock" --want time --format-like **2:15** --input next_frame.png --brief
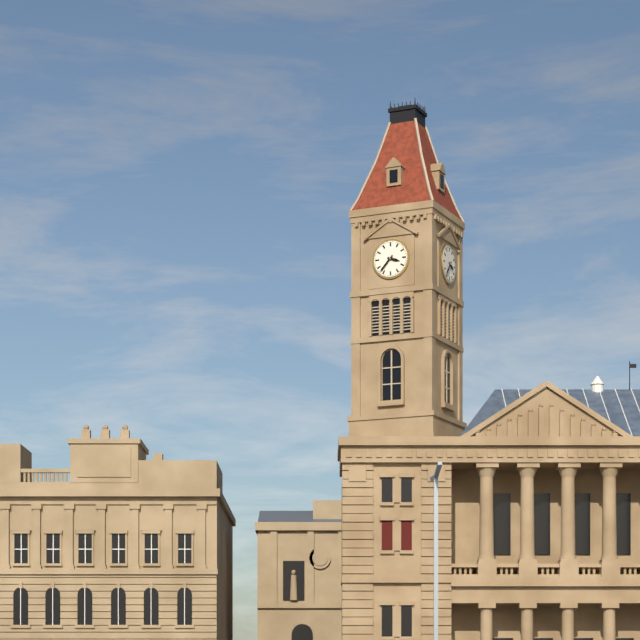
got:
**3:37**
